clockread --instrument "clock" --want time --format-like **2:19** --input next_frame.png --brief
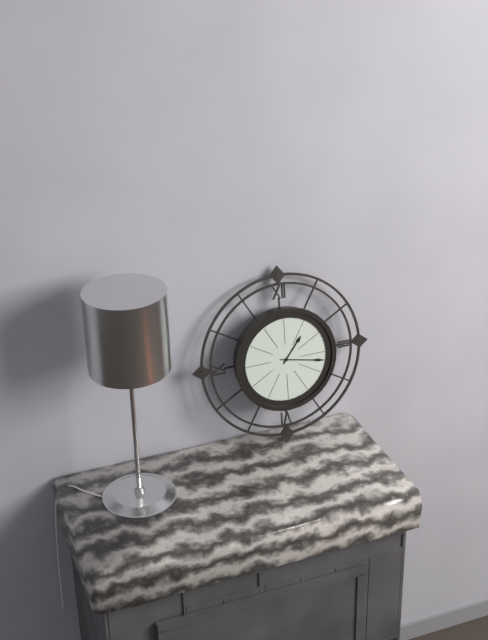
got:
**1:17**
